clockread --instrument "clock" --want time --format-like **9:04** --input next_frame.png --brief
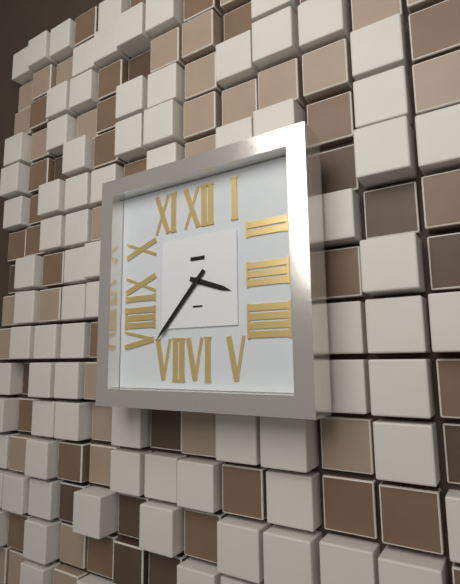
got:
**3:37**
